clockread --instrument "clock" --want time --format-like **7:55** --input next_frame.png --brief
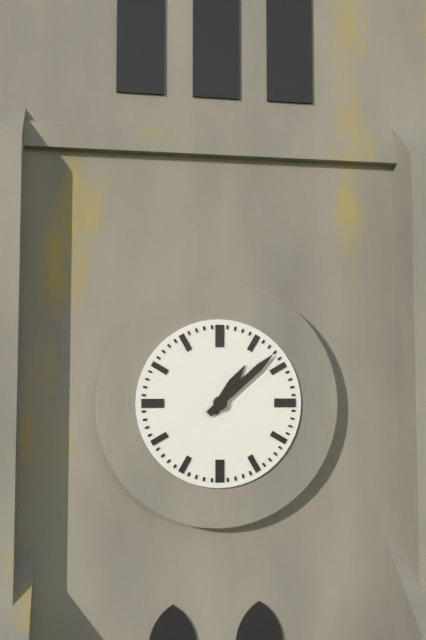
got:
**1:08**
